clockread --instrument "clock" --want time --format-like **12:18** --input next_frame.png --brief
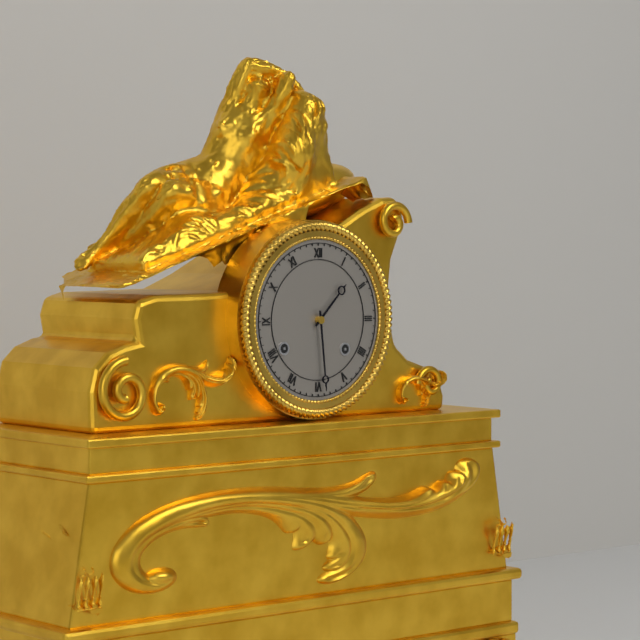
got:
**1:29**
